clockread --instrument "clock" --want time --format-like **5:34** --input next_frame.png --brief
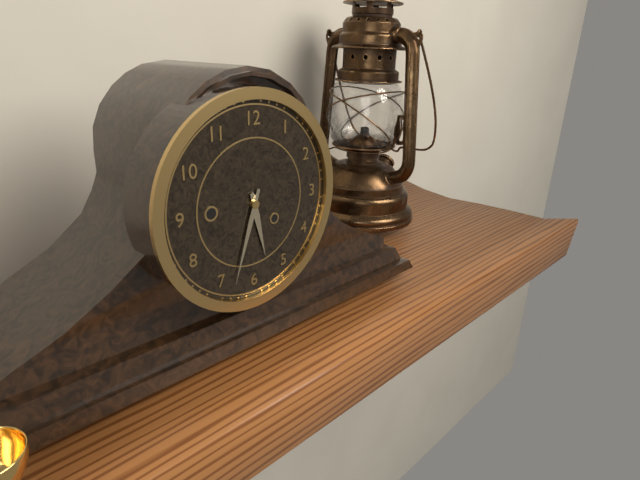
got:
**5:33**
